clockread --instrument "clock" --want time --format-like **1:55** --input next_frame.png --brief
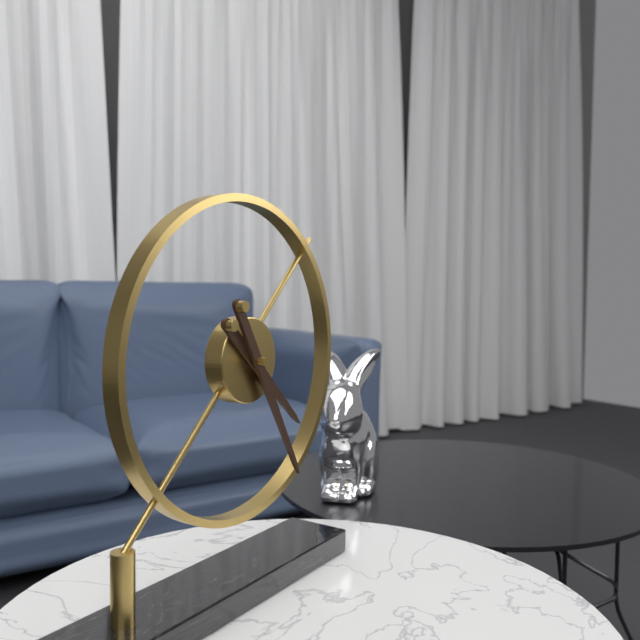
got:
**4:25**
